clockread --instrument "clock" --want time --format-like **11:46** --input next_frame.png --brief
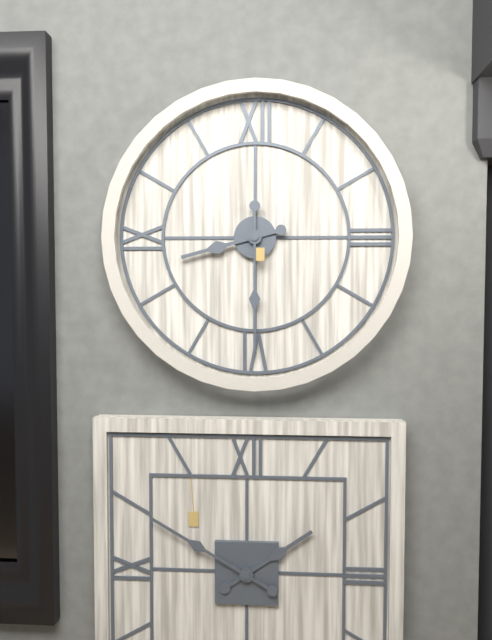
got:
**8:30**
